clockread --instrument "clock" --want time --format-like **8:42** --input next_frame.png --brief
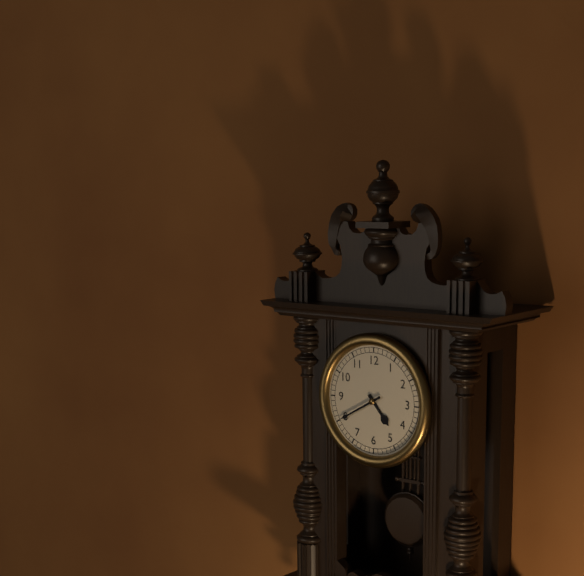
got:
**4:40**
